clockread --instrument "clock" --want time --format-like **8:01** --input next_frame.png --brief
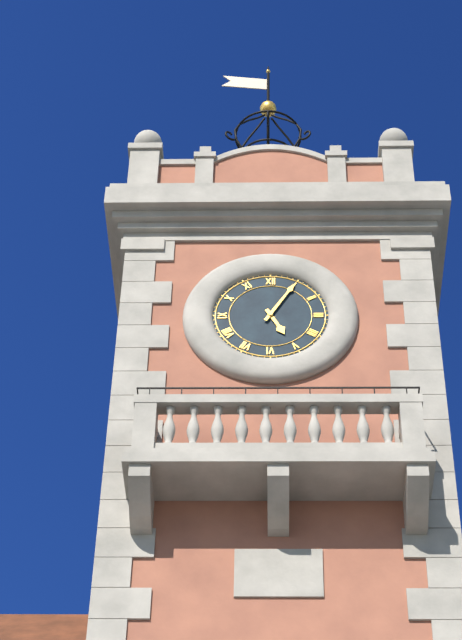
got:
**5:05**
